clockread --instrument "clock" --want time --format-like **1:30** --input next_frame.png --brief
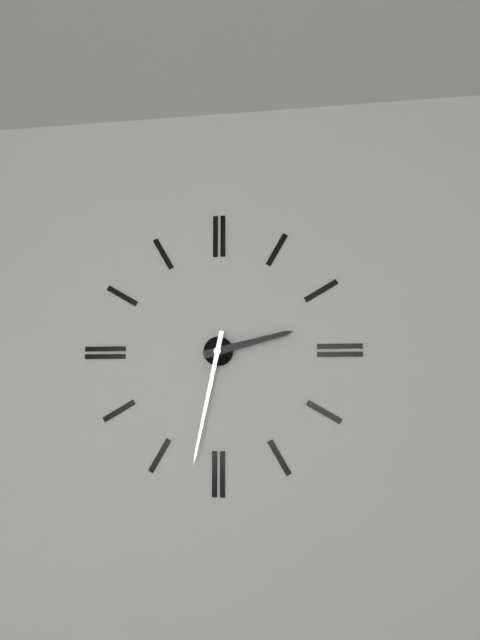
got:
**2:32**
